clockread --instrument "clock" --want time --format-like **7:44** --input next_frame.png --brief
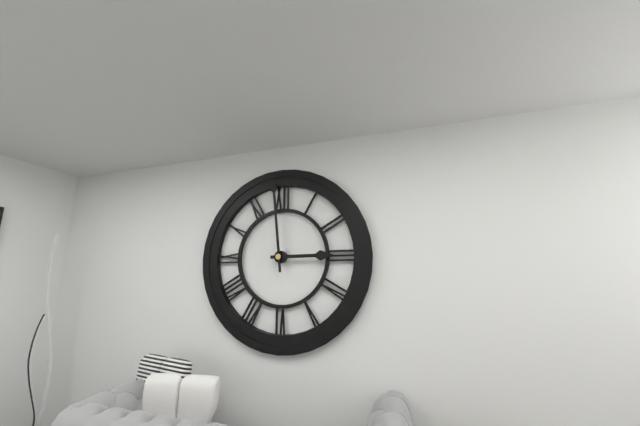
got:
**2:59**
